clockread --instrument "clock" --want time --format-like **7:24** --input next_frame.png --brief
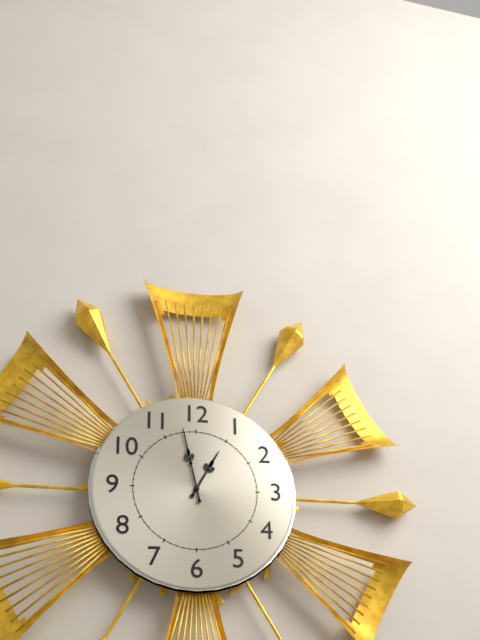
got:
**12:58**
